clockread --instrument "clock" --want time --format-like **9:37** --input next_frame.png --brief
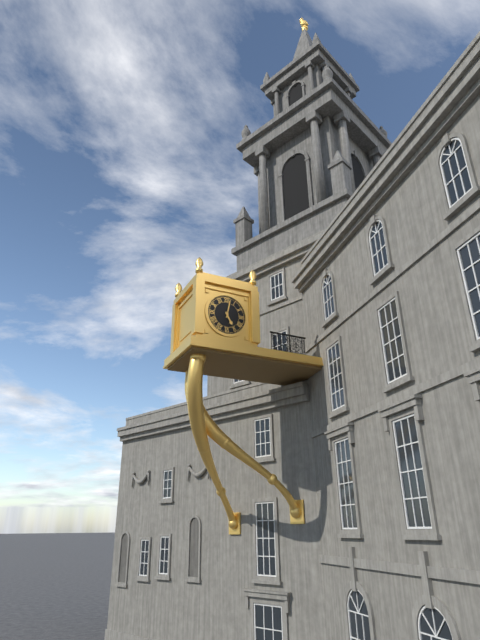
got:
**5:02**
